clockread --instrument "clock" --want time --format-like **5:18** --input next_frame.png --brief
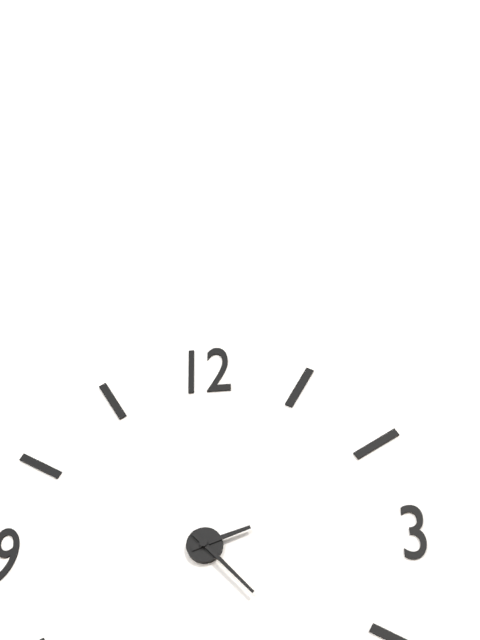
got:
**2:23**
